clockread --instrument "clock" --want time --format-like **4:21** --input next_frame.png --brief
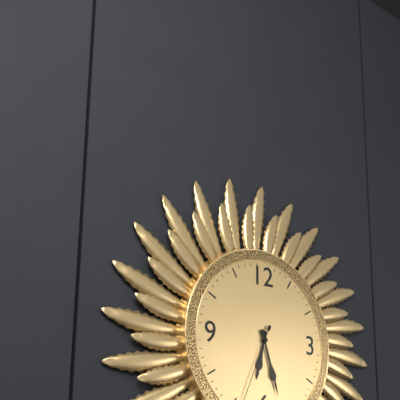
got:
**6:27**
